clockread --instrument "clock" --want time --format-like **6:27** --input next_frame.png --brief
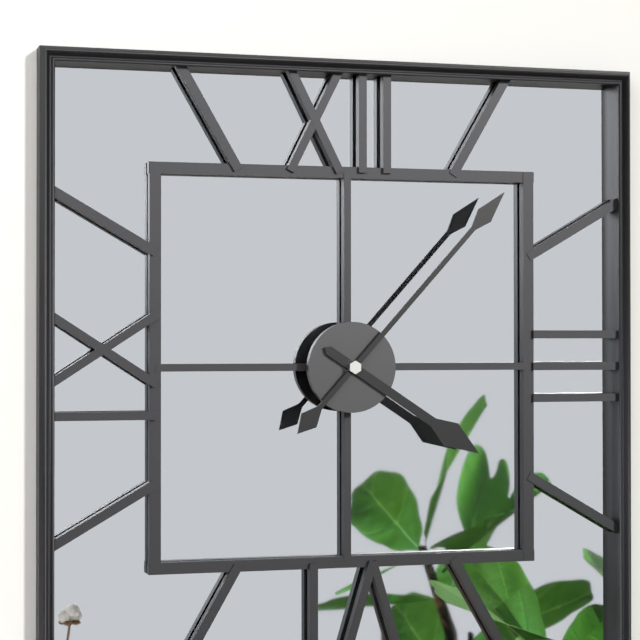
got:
**4:07**
